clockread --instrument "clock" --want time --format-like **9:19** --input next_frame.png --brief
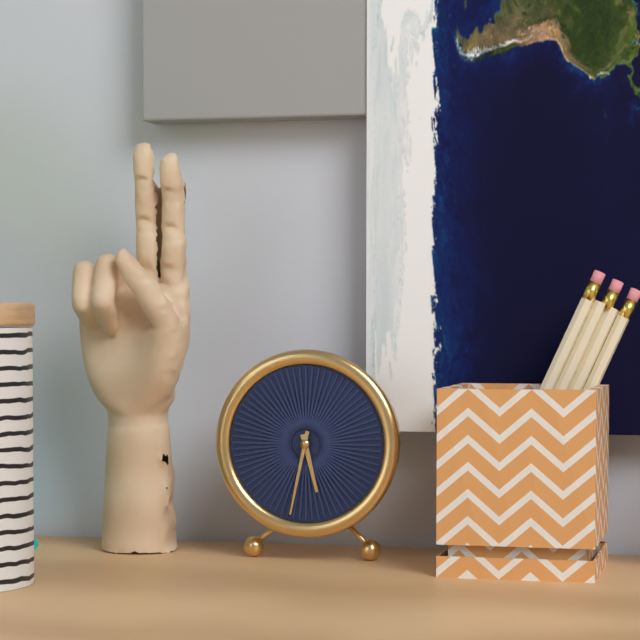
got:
**5:32**
